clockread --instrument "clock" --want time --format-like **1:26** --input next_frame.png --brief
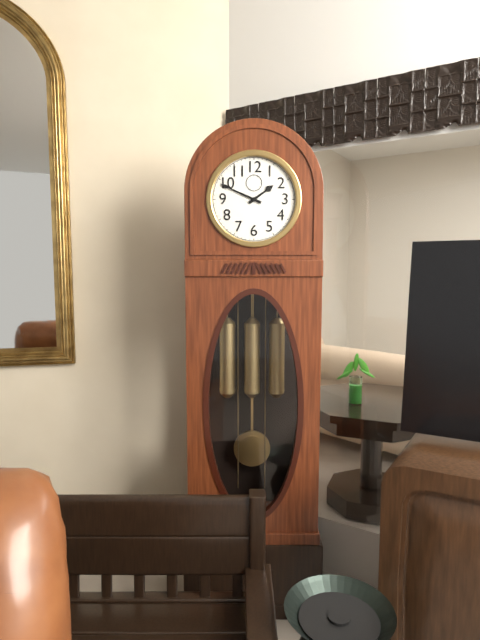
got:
**1:49**
